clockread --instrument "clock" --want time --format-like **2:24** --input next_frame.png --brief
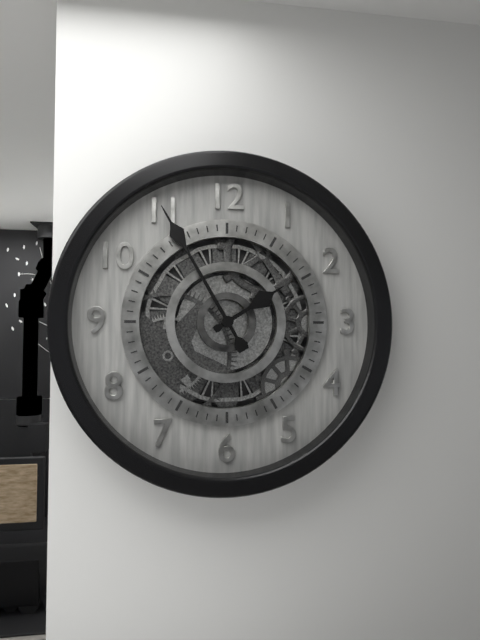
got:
**1:55**
